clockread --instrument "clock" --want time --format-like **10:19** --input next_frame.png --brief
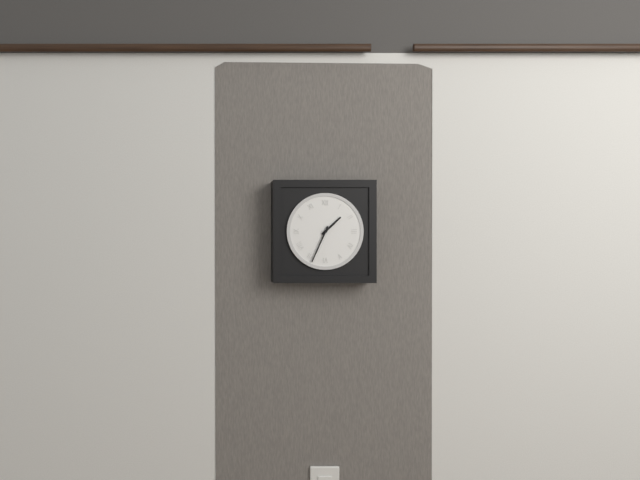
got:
**1:34**
